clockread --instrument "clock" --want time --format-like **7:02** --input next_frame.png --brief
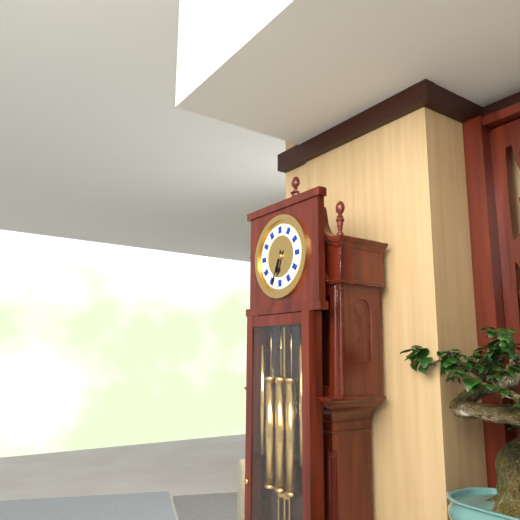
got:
**6:34**
